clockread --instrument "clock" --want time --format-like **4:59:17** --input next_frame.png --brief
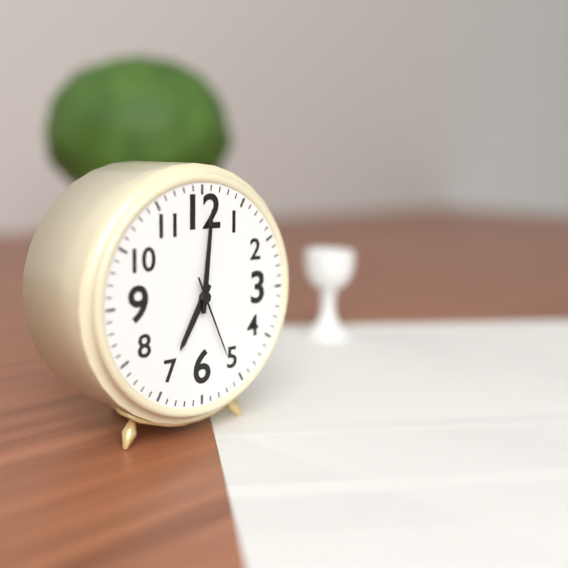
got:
**7:01:26**
